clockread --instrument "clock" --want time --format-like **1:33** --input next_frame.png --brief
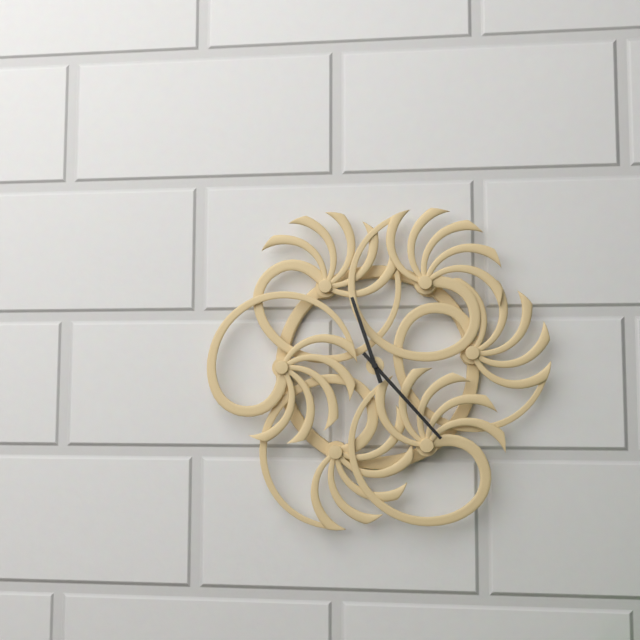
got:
**11:23**
